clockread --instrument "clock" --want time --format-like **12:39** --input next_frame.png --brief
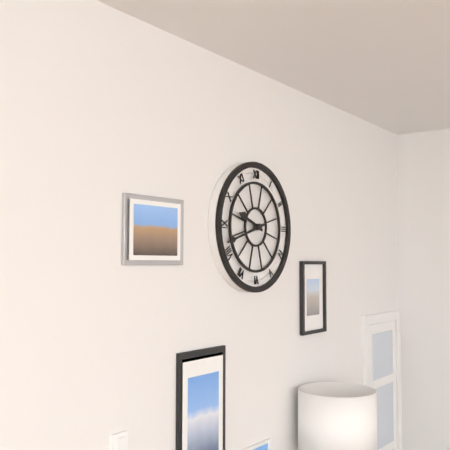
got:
**9:42**
